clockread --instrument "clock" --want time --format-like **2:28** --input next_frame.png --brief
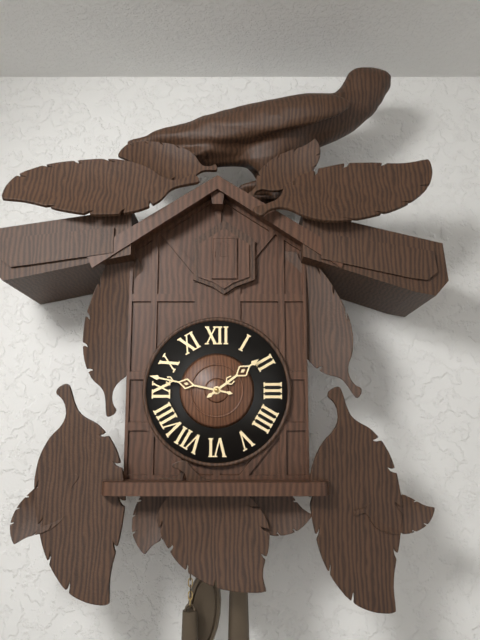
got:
**1:47**
